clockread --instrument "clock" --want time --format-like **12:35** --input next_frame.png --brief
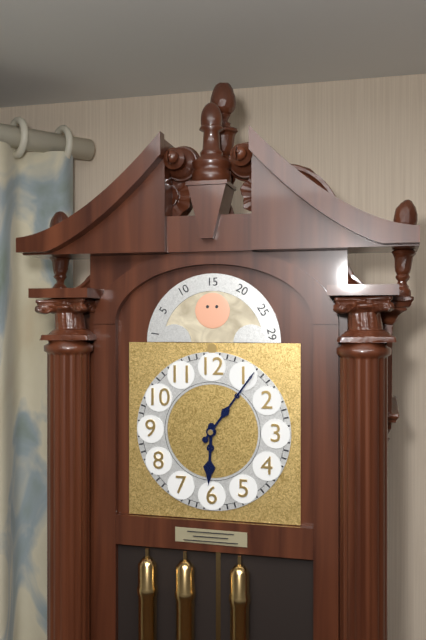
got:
**6:06**
